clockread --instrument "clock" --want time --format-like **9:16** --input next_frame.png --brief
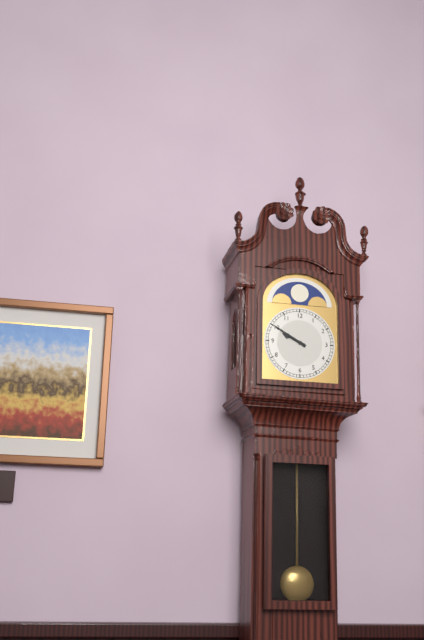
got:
**9:50**
